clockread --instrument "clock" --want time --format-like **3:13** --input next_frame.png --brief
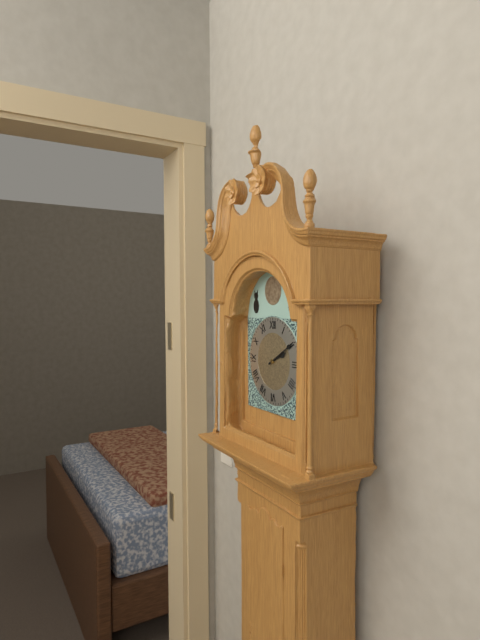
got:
**2:10**
